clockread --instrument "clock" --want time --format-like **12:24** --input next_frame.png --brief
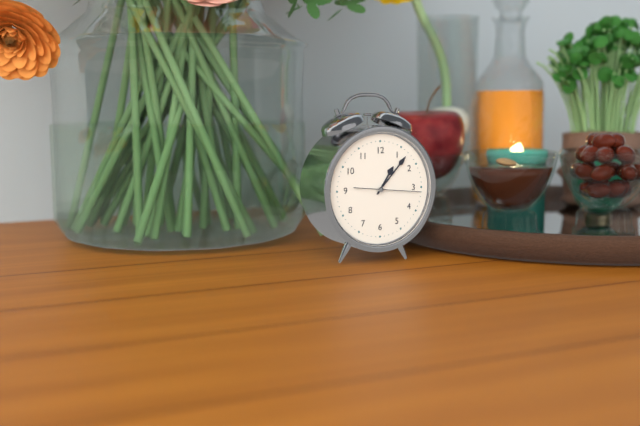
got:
**1:07**
